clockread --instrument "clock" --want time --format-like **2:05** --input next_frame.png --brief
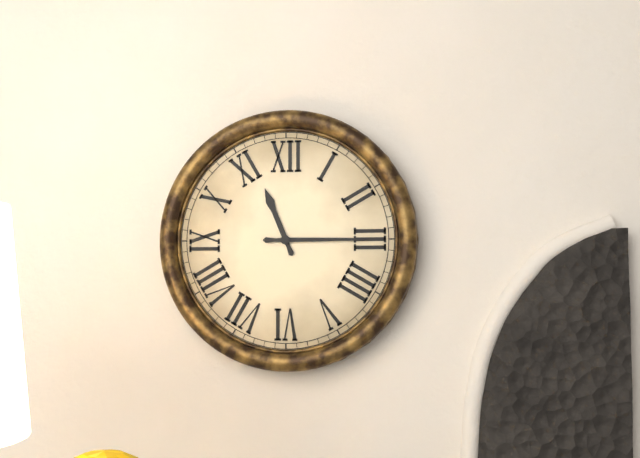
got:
**11:15**
